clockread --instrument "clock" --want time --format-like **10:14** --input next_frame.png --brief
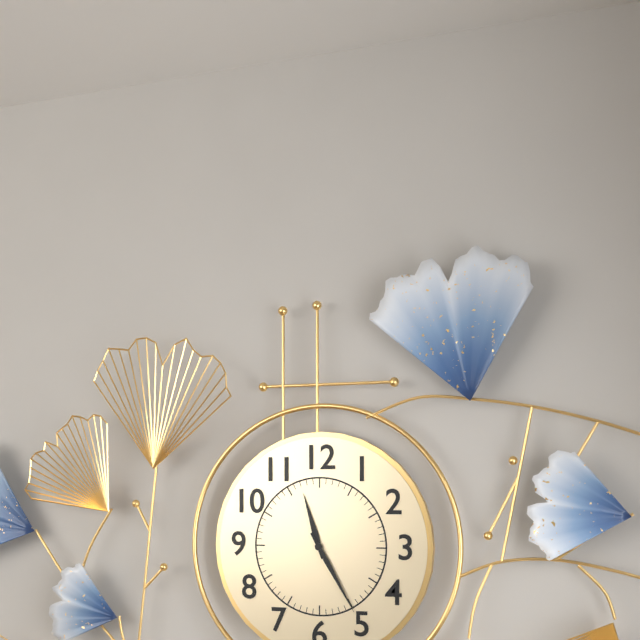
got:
**11:25**
